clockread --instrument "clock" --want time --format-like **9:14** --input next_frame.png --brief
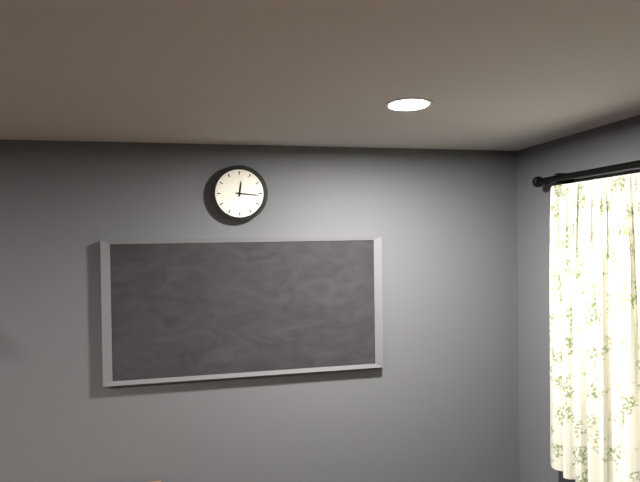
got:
**12:16**
